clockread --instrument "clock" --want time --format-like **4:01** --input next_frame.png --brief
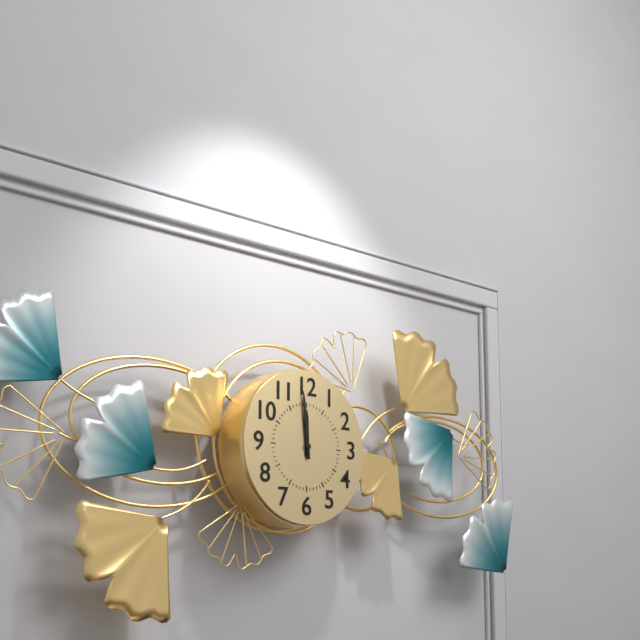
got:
**11:59**
